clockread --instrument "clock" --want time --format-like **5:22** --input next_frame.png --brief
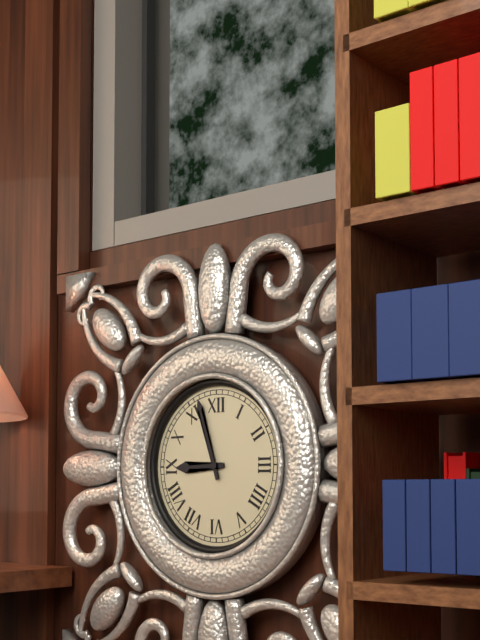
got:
**8:57**
